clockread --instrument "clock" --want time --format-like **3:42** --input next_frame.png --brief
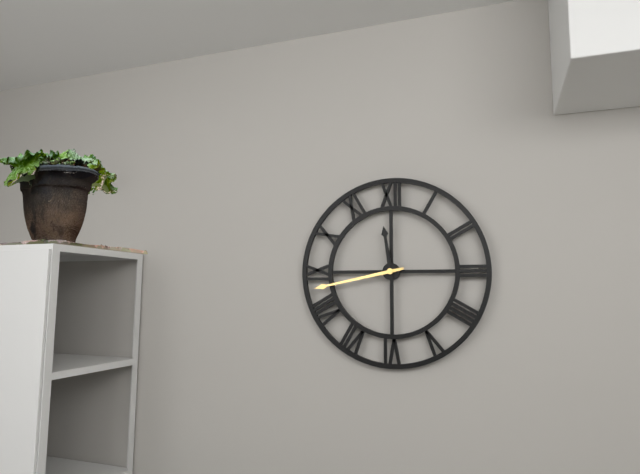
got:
**11:43**
